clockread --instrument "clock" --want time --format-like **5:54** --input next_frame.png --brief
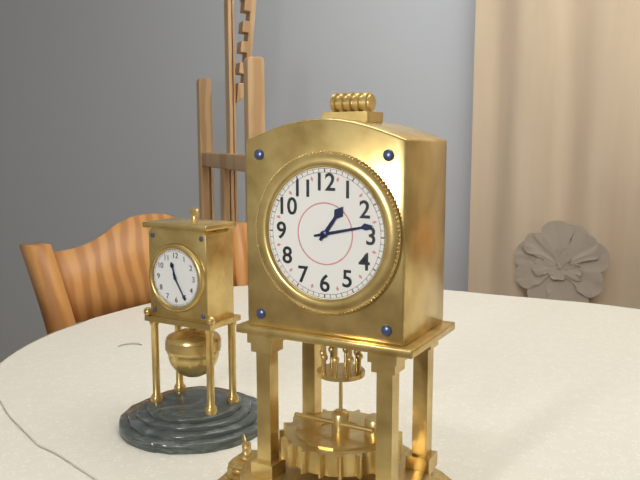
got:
**1:13**
